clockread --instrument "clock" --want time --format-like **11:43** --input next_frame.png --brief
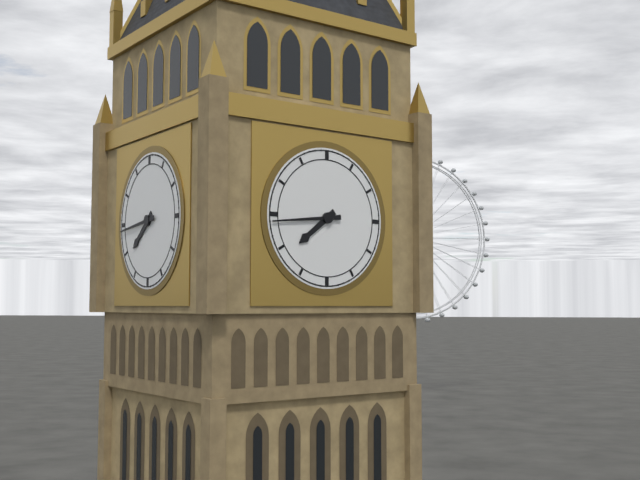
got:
**7:44**
